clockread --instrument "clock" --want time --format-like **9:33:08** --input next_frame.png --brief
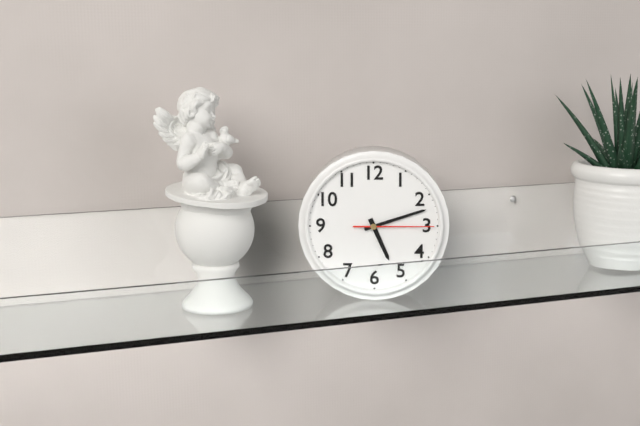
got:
**5:12:15**
